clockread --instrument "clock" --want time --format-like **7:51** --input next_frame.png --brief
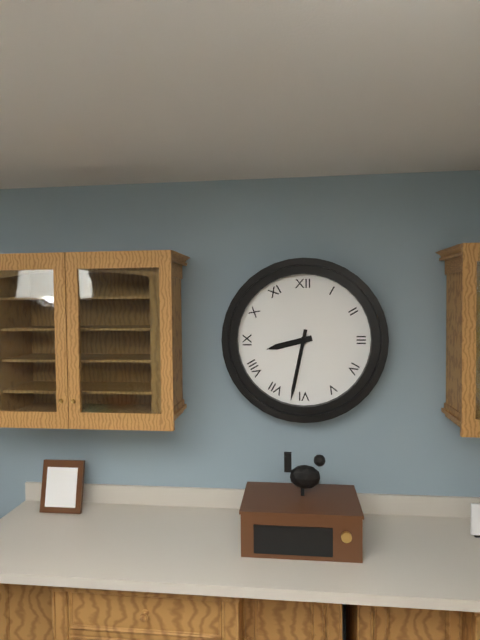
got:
**8:32**
